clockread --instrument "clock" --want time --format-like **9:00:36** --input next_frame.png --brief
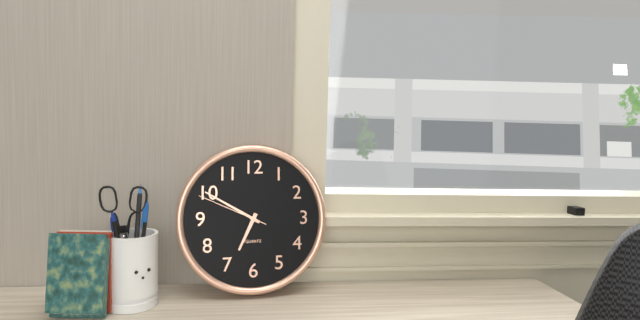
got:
**6:50:49**
